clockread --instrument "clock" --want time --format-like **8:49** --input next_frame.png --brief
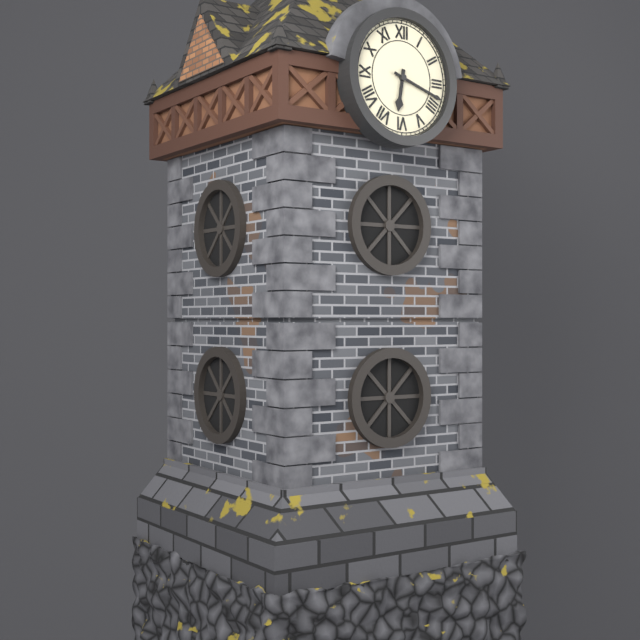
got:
**6:18**
